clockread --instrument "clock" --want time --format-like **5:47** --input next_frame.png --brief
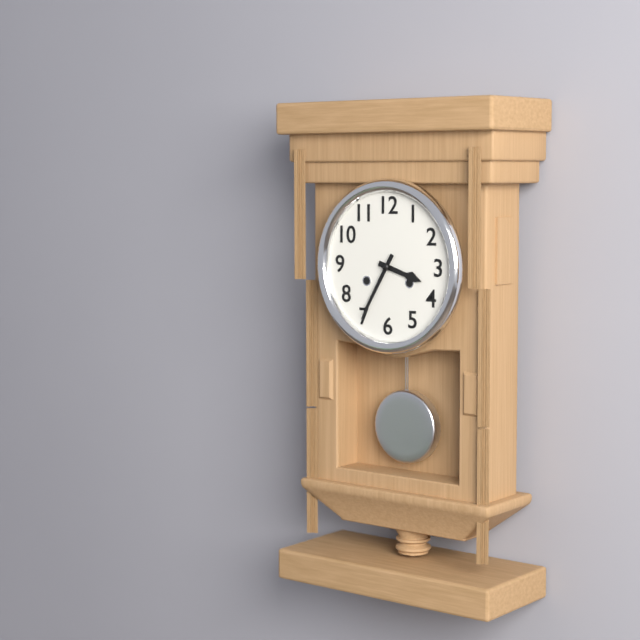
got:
**3:35**
